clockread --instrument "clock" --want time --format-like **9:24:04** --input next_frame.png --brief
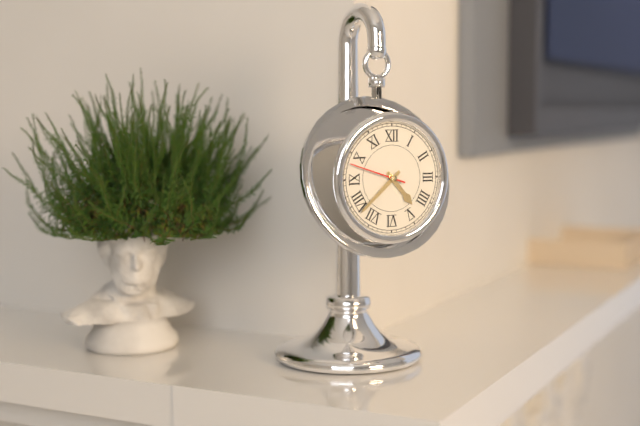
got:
**4:38:48**
